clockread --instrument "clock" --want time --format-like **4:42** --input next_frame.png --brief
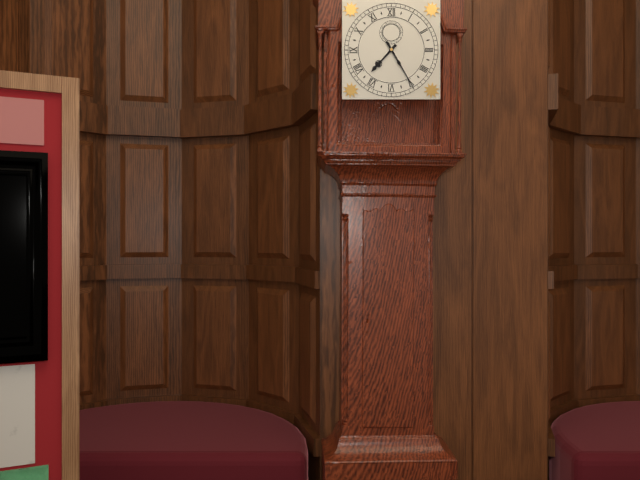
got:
**7:25**
